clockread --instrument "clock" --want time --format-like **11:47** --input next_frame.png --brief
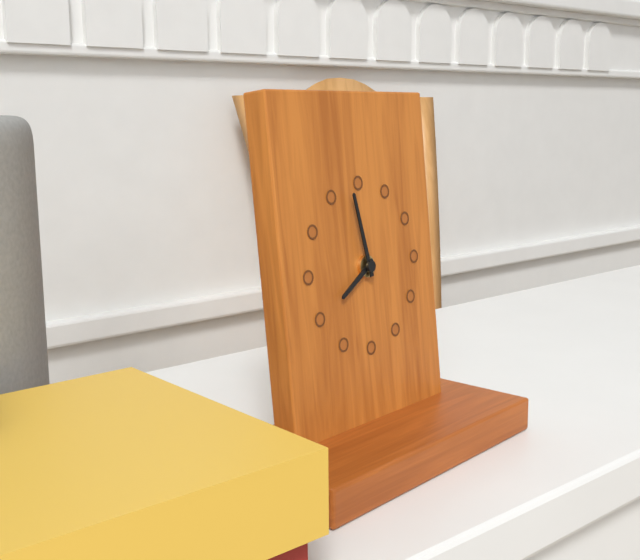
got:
**7:58**
